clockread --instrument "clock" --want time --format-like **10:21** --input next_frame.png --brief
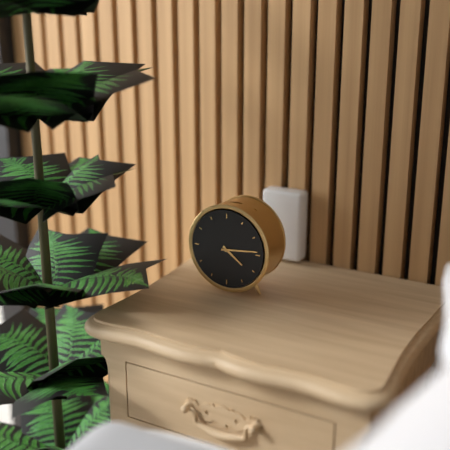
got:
**4:14**
